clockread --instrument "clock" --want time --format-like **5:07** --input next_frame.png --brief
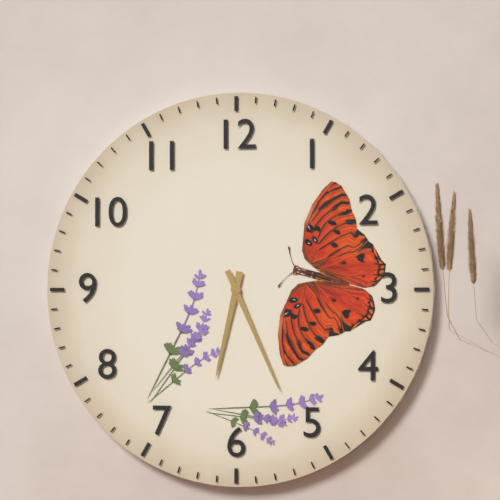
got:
**6:26**
